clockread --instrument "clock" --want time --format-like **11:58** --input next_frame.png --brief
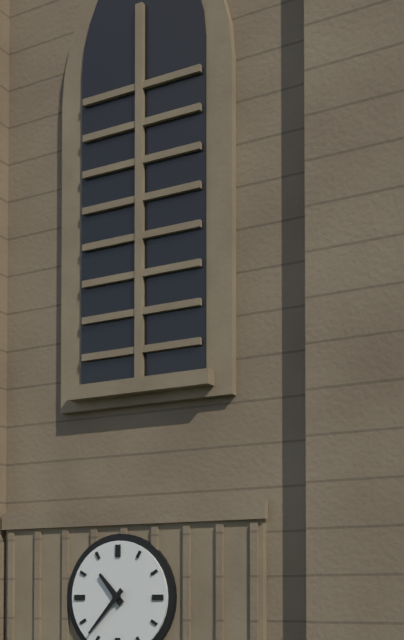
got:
**10:37**
